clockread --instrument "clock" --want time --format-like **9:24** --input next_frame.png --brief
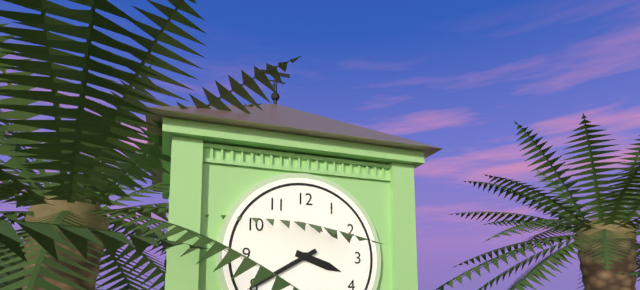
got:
**3:40**
